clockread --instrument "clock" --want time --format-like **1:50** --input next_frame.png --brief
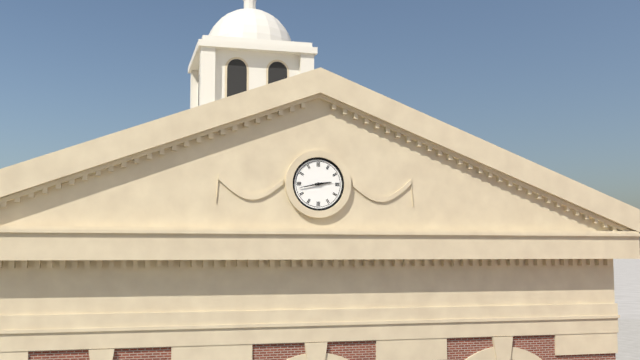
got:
**2:43**
